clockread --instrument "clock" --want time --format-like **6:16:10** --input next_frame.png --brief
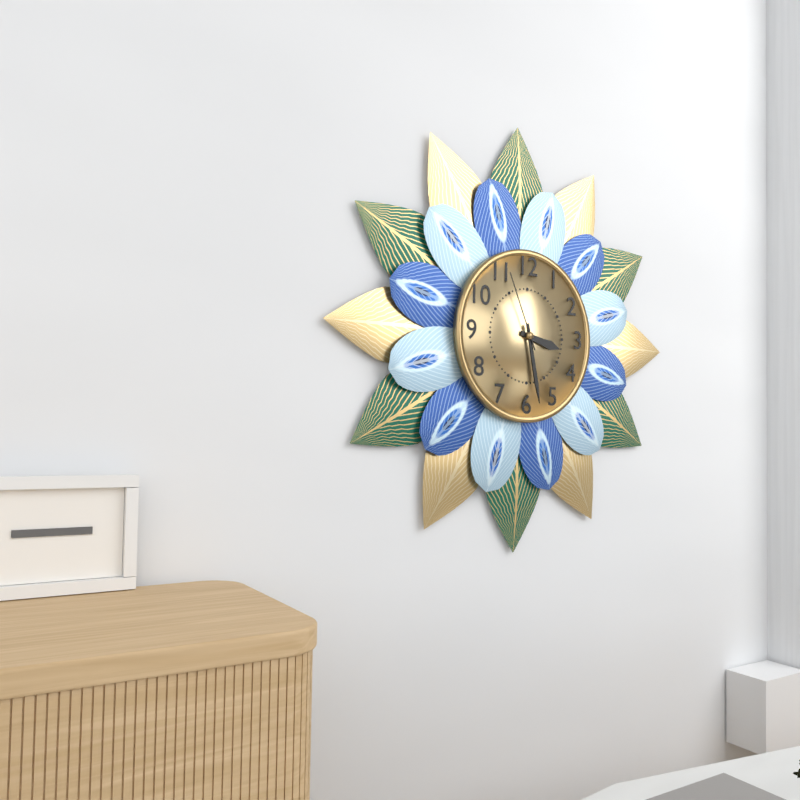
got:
**3:28:56**
